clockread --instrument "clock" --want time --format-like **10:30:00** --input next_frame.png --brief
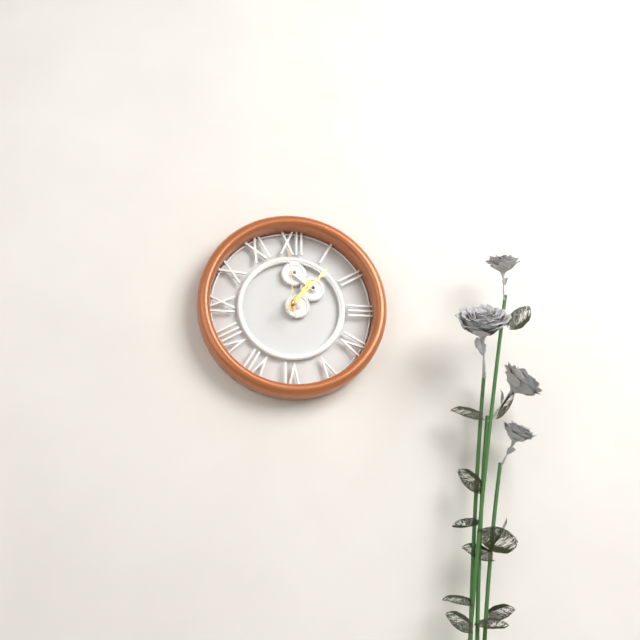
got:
**1:07:59**
